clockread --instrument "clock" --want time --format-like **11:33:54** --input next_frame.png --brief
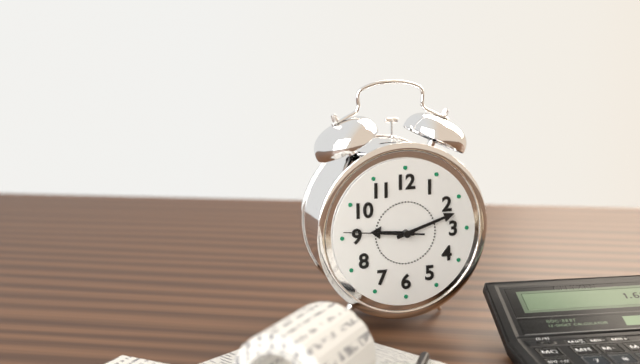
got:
**9:12:46**
